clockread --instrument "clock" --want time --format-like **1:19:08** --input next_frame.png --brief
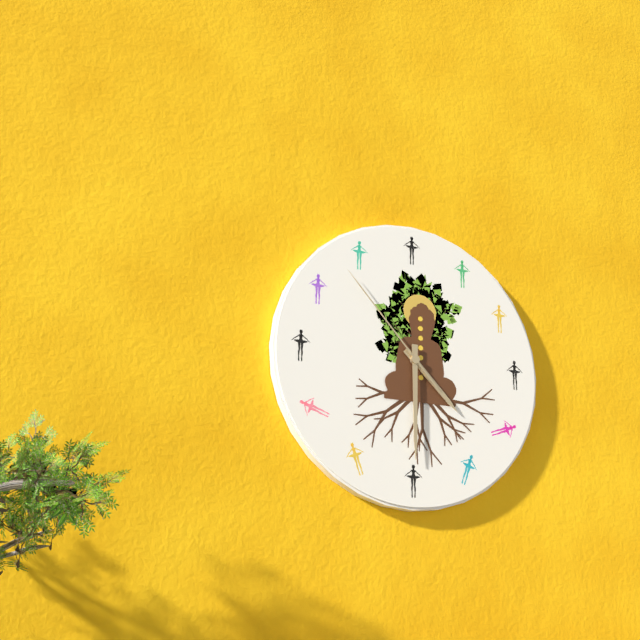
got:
**4:30:53**
